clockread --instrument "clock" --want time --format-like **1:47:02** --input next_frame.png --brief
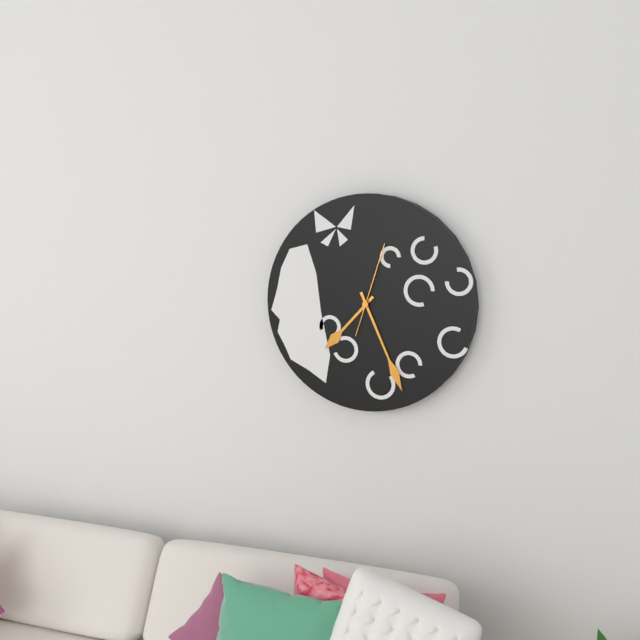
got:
**7:26:03**
